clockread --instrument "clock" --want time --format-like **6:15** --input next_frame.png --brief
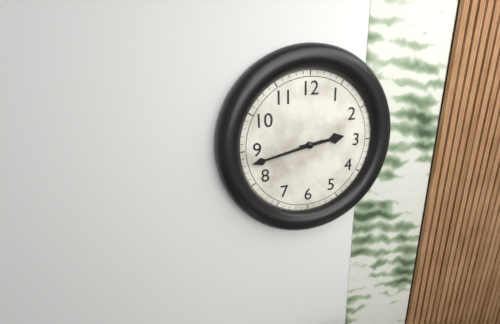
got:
**2:43**
